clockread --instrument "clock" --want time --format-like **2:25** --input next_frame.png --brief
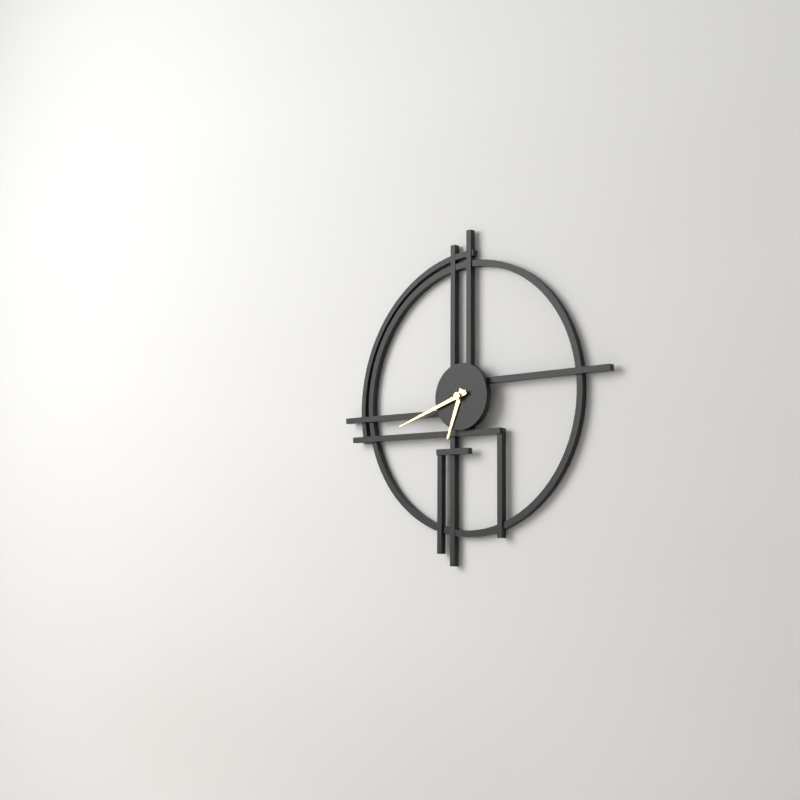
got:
**6:42**
